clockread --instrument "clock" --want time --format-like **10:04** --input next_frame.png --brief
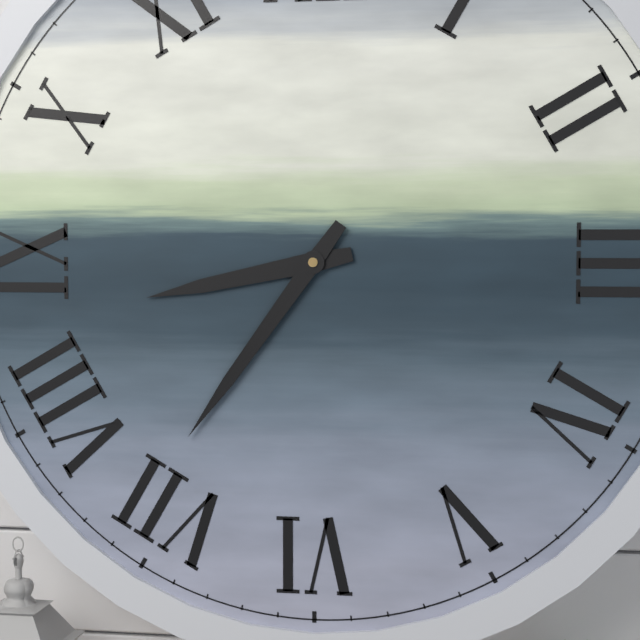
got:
**8:36**
